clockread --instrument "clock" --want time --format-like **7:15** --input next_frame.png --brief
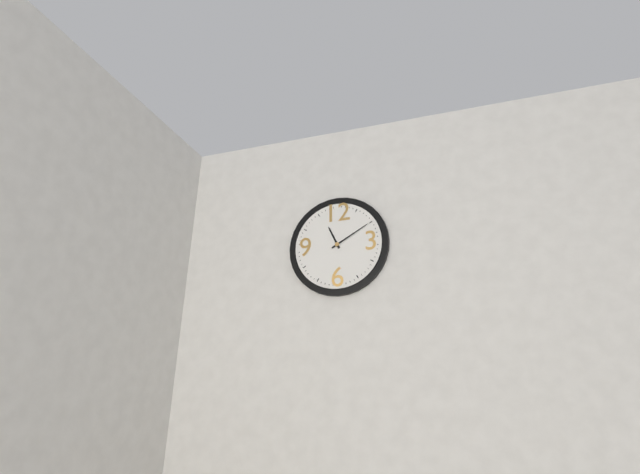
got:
**11:10**
